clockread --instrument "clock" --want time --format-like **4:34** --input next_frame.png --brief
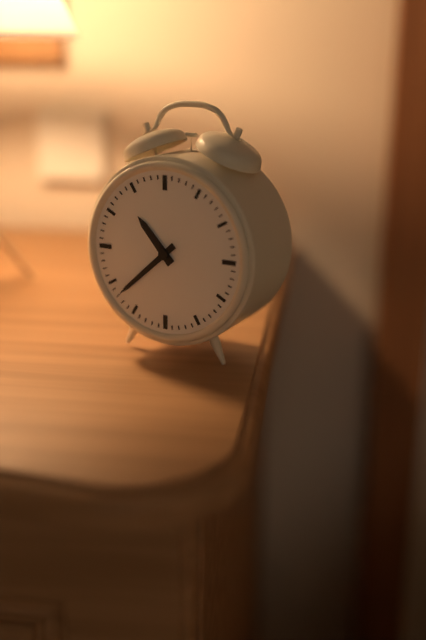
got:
**10:38**
